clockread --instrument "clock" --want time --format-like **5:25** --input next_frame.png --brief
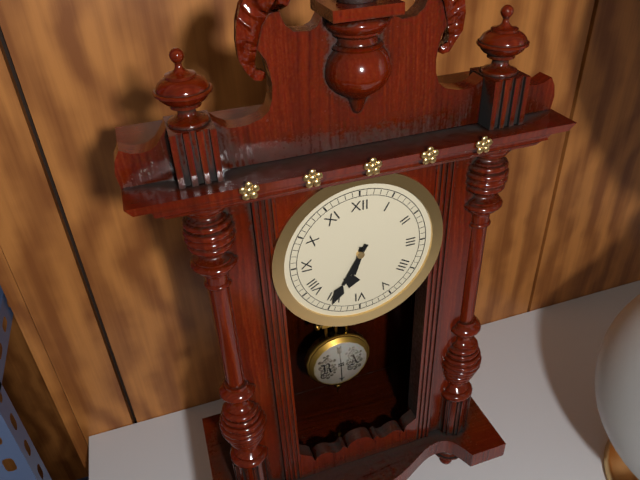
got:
**6:35**
